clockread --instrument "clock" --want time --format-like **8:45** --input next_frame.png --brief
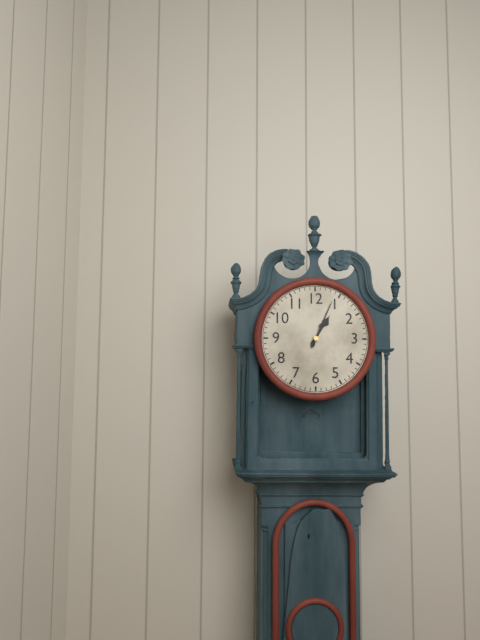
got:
**1:04**
